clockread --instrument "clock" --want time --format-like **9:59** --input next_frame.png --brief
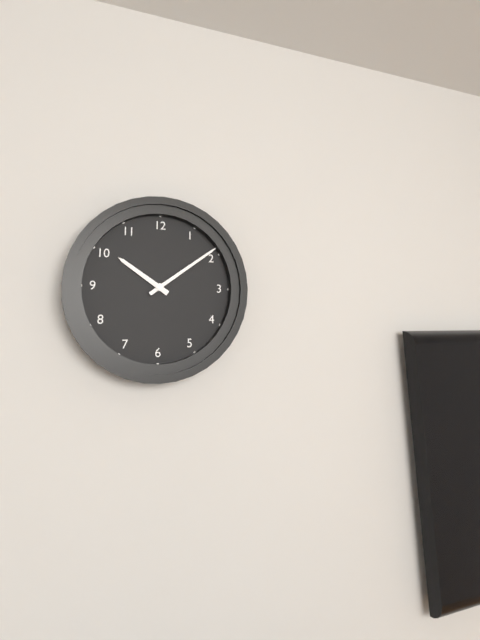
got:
**10:09**
